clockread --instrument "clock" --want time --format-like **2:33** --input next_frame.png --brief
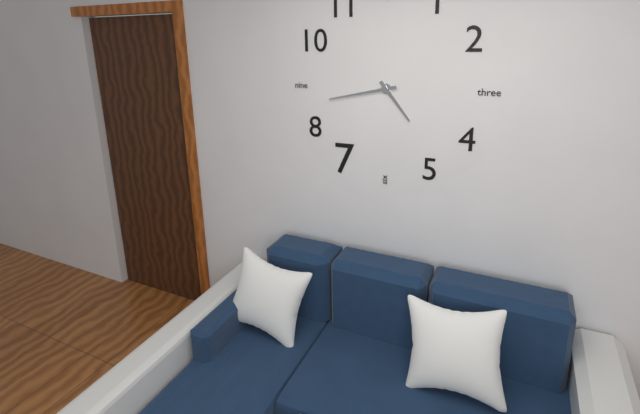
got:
**4:43**
